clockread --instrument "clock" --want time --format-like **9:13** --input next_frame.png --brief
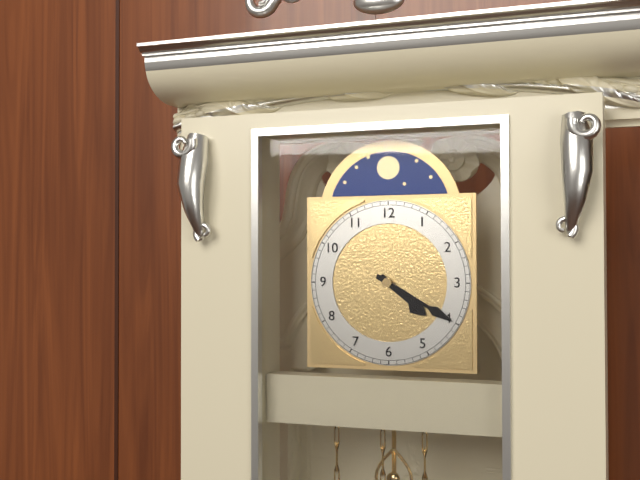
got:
**4:20**
